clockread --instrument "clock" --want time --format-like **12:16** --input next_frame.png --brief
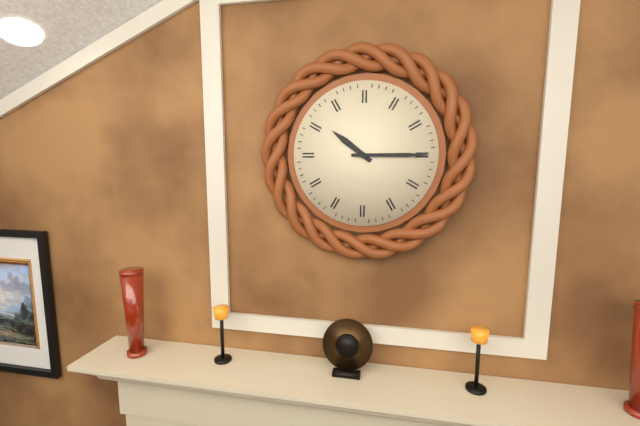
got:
**10:15**
